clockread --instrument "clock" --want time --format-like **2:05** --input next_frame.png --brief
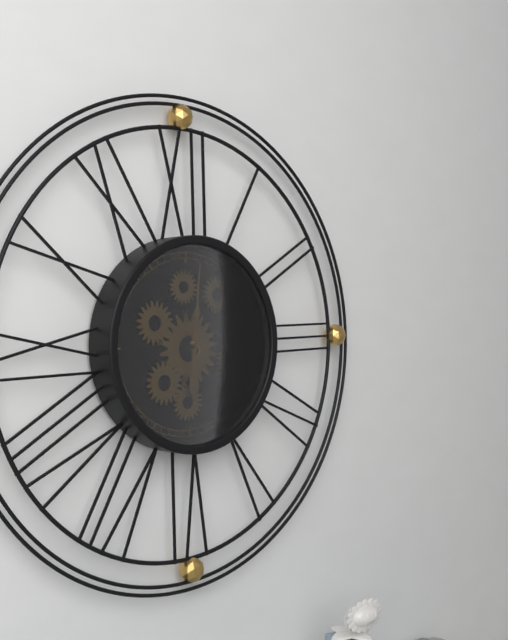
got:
**6:01**
